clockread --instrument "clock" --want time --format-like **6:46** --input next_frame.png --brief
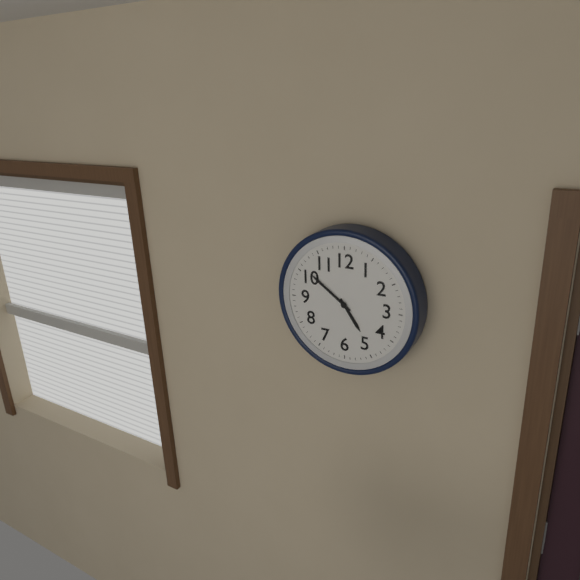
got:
**4:51**
